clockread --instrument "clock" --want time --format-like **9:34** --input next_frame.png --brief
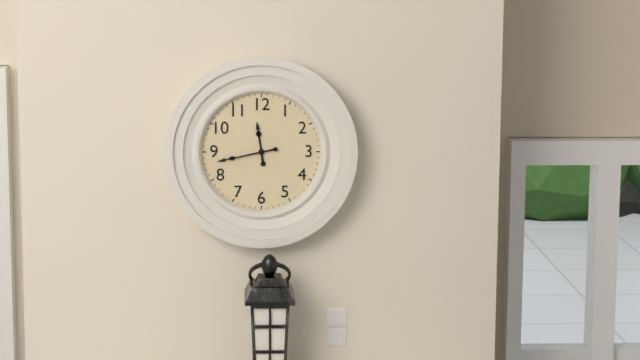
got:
**11:43**
